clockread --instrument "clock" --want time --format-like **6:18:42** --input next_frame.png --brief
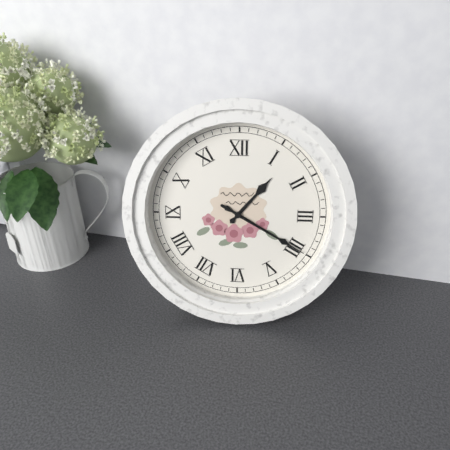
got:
**1:20:20**
